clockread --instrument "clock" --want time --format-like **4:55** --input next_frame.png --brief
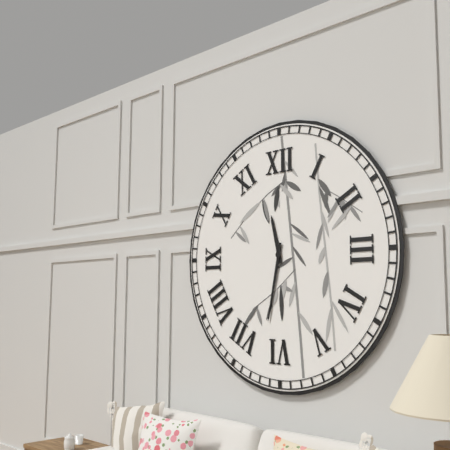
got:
**11:32**
